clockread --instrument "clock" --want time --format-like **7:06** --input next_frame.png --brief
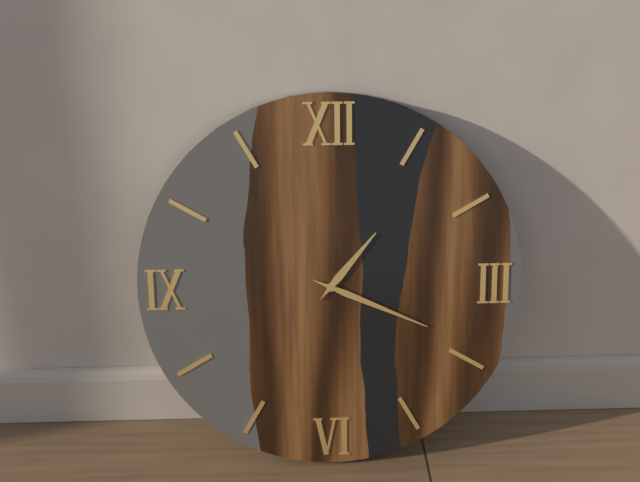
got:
**1:19**
